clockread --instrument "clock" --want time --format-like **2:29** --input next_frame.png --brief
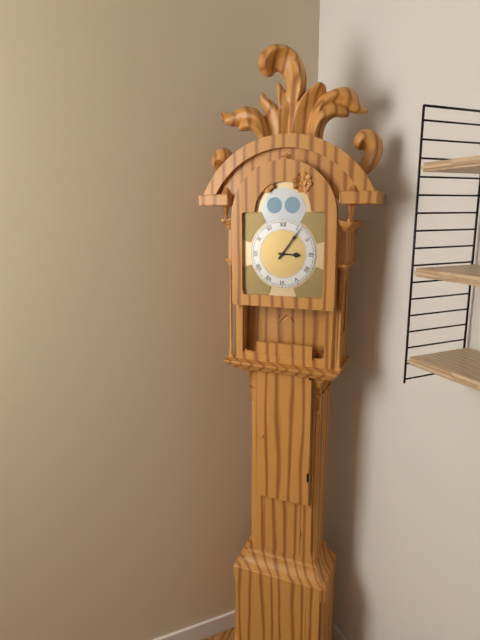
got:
**3:06**
